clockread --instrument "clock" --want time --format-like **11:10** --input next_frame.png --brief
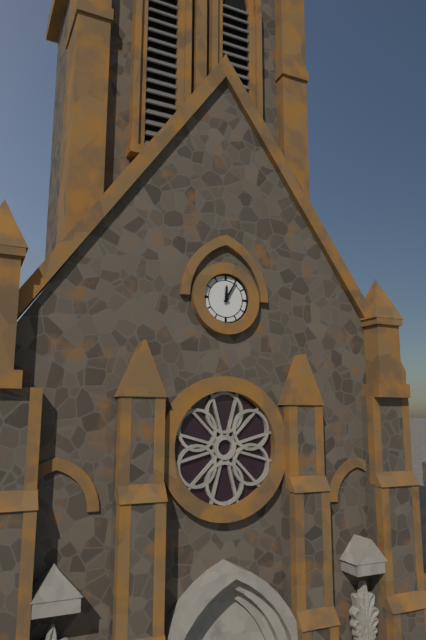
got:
**12:05**
